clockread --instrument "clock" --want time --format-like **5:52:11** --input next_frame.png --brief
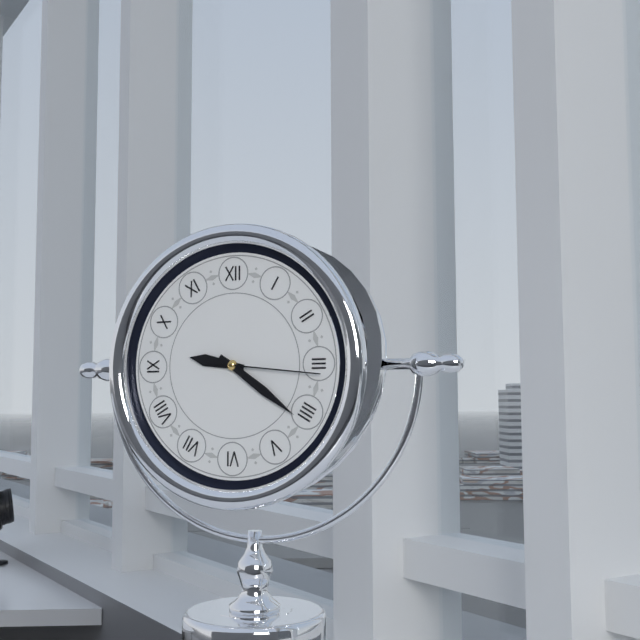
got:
**9:21:16**
